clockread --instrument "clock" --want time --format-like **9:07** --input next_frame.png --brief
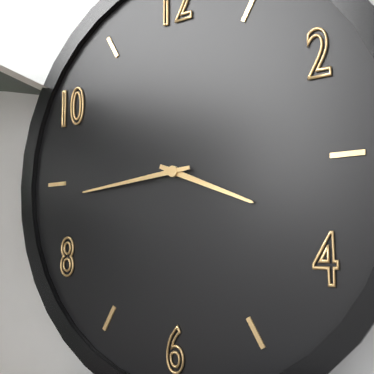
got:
**3:44**
